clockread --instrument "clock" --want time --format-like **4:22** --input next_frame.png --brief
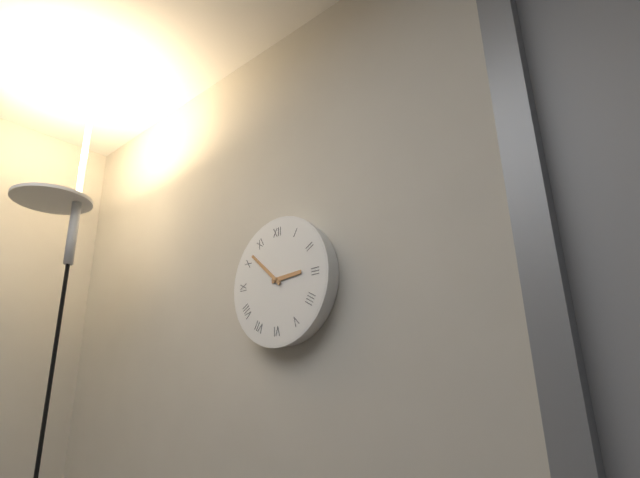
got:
**2:52**
